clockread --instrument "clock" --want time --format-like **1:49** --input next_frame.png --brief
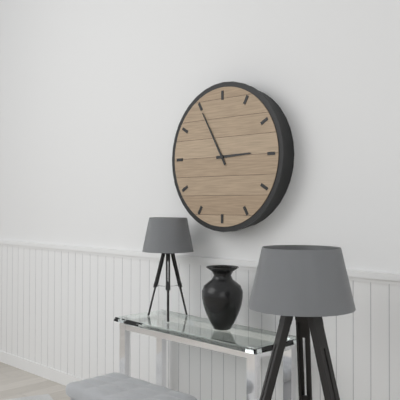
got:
**2:55**
